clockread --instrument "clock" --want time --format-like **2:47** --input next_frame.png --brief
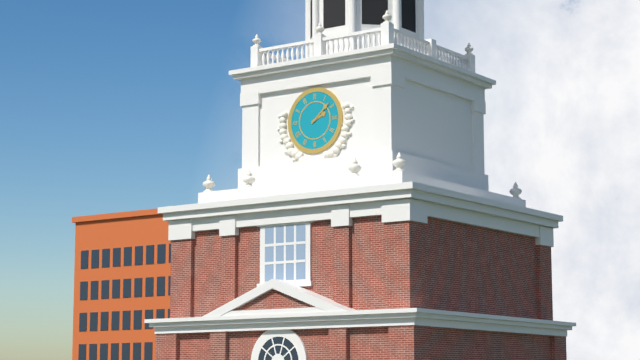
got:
**2:08**
